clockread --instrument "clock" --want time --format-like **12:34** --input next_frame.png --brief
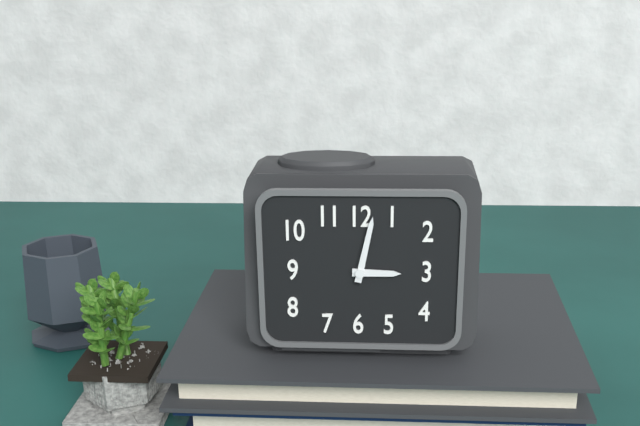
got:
**3:02**
